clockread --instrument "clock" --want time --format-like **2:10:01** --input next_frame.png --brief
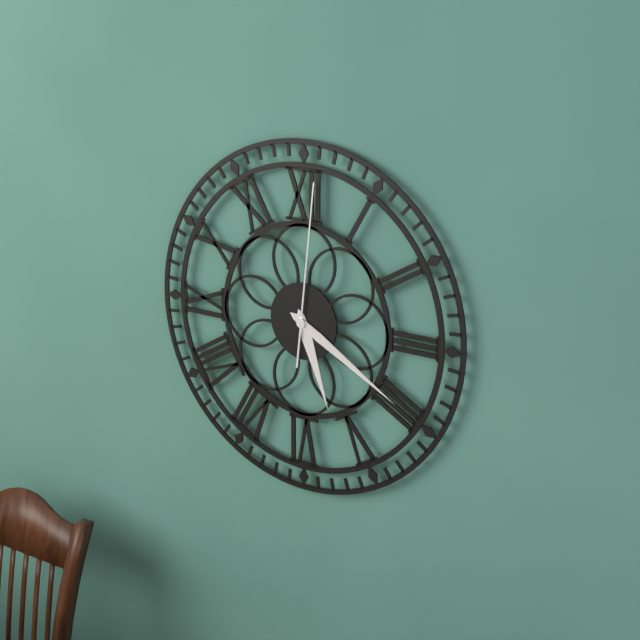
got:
**5:20:01**
